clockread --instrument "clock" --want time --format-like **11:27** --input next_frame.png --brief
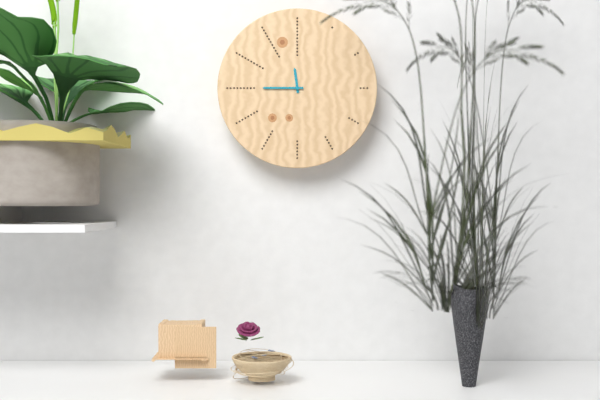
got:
**11:45**
